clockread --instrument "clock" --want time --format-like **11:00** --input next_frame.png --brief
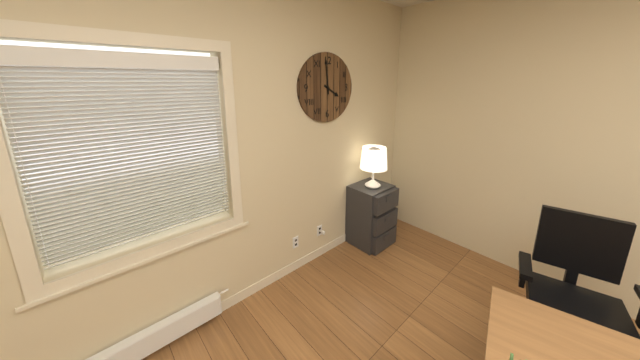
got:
**3:59**
